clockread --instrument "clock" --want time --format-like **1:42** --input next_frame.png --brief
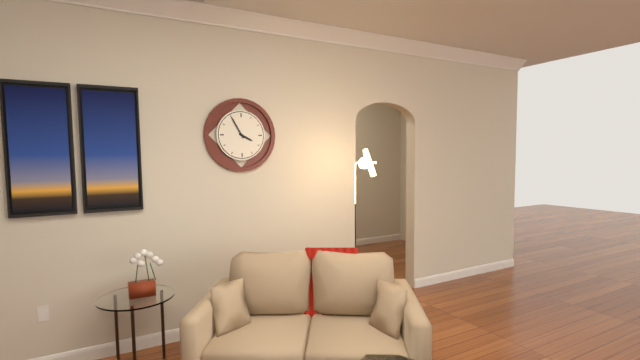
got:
**3:55**
